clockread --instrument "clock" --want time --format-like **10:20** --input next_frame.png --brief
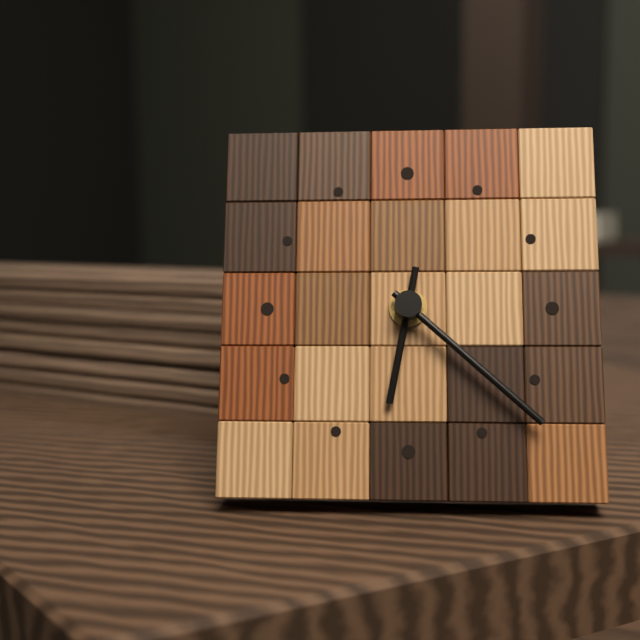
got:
**6:22**
